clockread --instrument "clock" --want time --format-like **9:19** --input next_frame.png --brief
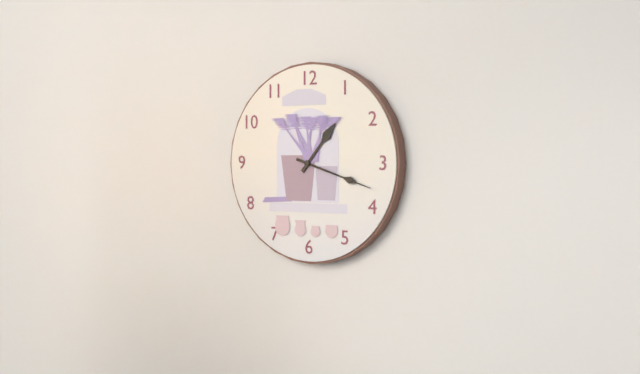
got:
**1:18**
